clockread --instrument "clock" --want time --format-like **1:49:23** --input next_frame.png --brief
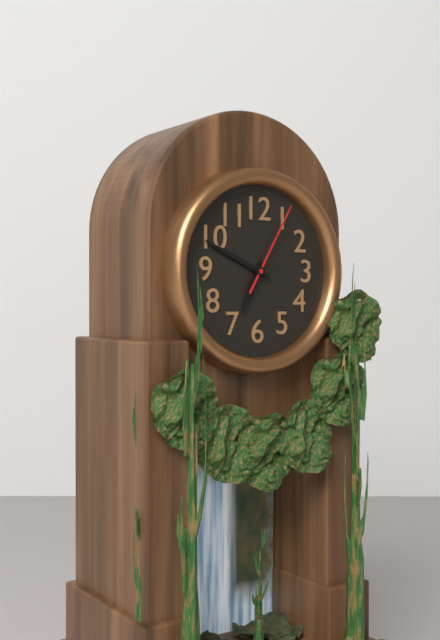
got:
**6:49:05**
